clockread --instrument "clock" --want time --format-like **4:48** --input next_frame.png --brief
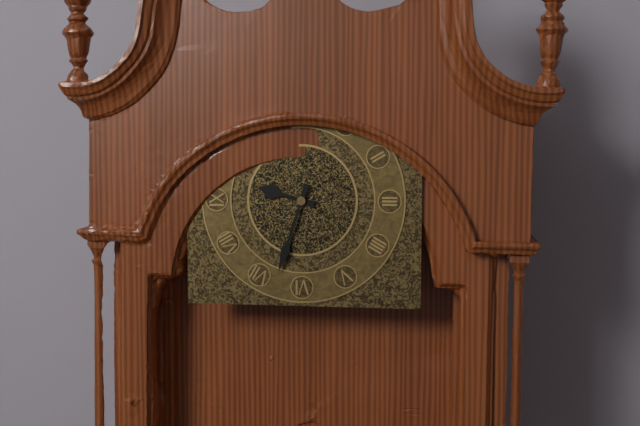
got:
**9:33**
